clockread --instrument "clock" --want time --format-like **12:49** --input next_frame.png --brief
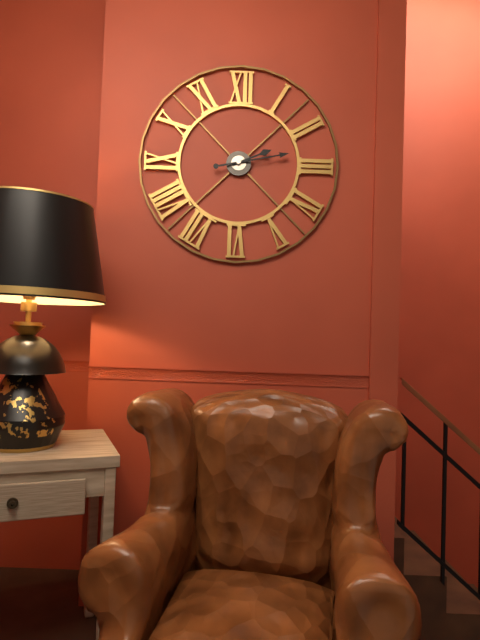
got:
**2:13**
